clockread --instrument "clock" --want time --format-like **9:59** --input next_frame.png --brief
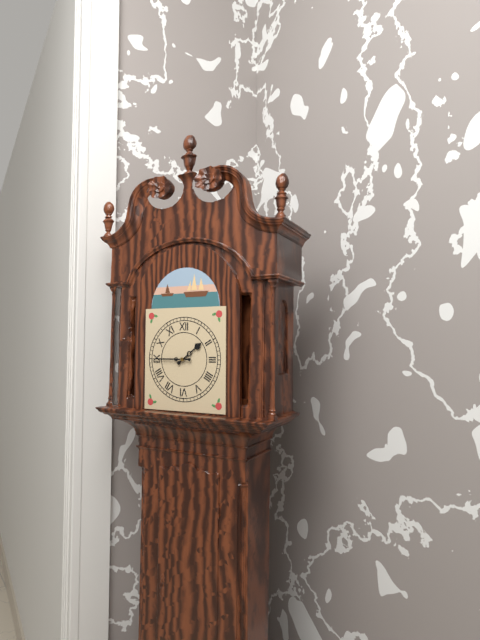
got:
**1:45**
